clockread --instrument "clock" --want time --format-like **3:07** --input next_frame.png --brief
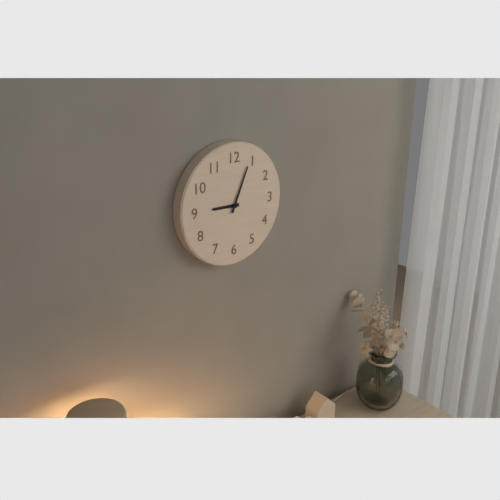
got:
**9:04**
